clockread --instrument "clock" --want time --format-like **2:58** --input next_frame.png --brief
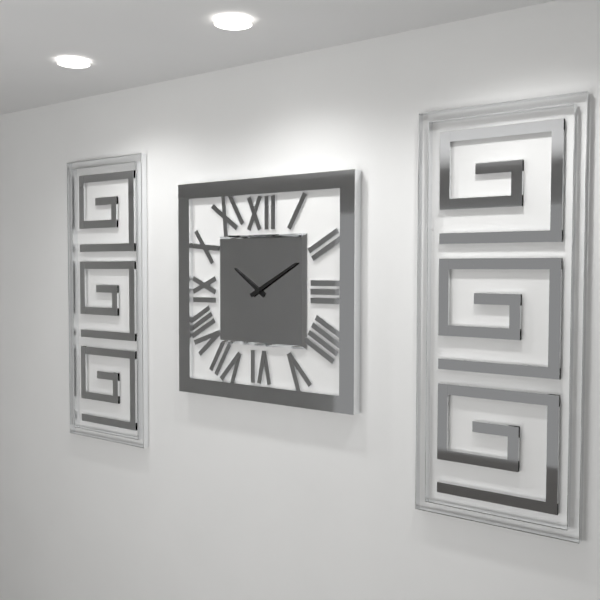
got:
**10:10**
